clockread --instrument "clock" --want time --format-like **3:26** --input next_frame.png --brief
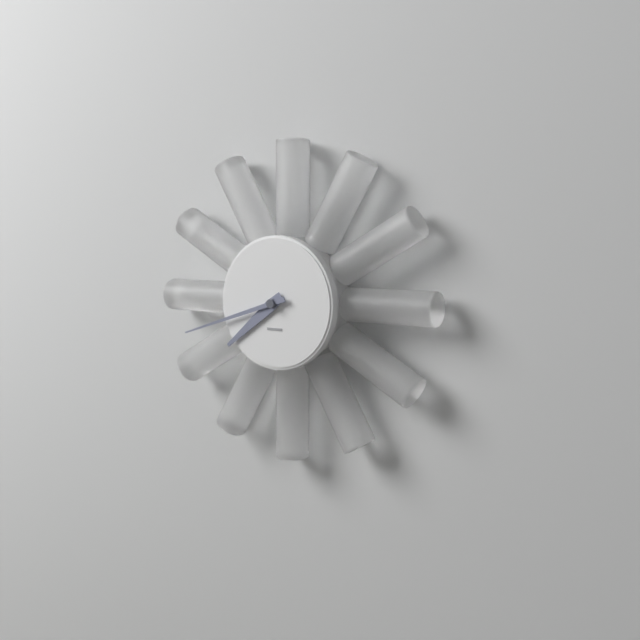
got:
**7:42**
